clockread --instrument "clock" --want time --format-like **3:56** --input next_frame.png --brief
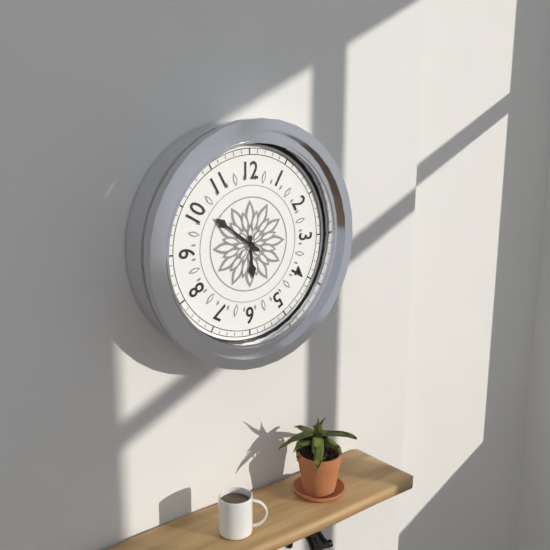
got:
**5:51**
